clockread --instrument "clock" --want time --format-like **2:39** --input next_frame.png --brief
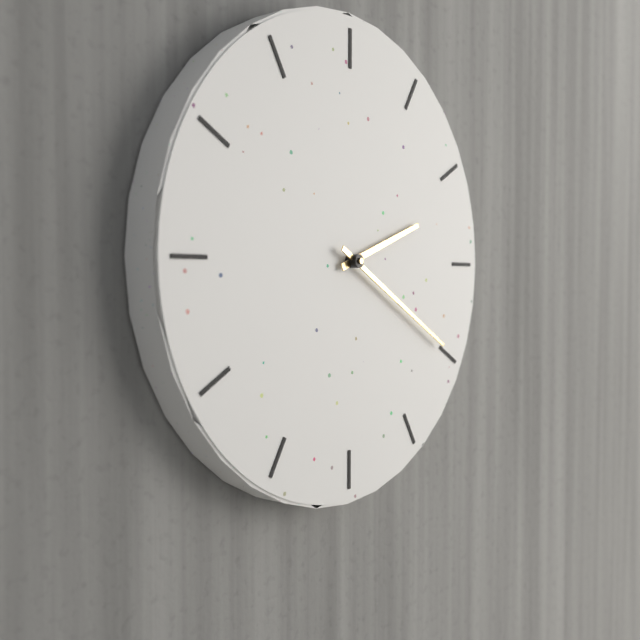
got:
**2:20**
